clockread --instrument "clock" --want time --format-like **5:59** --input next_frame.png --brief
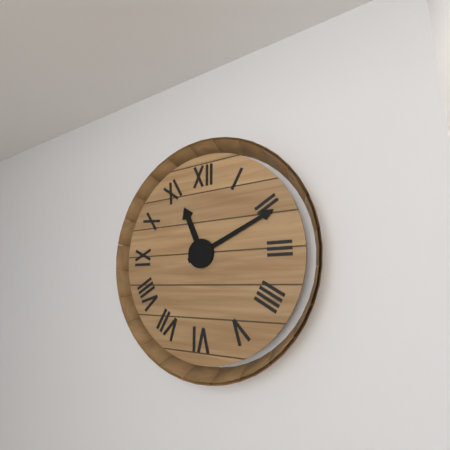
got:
**11:11**
